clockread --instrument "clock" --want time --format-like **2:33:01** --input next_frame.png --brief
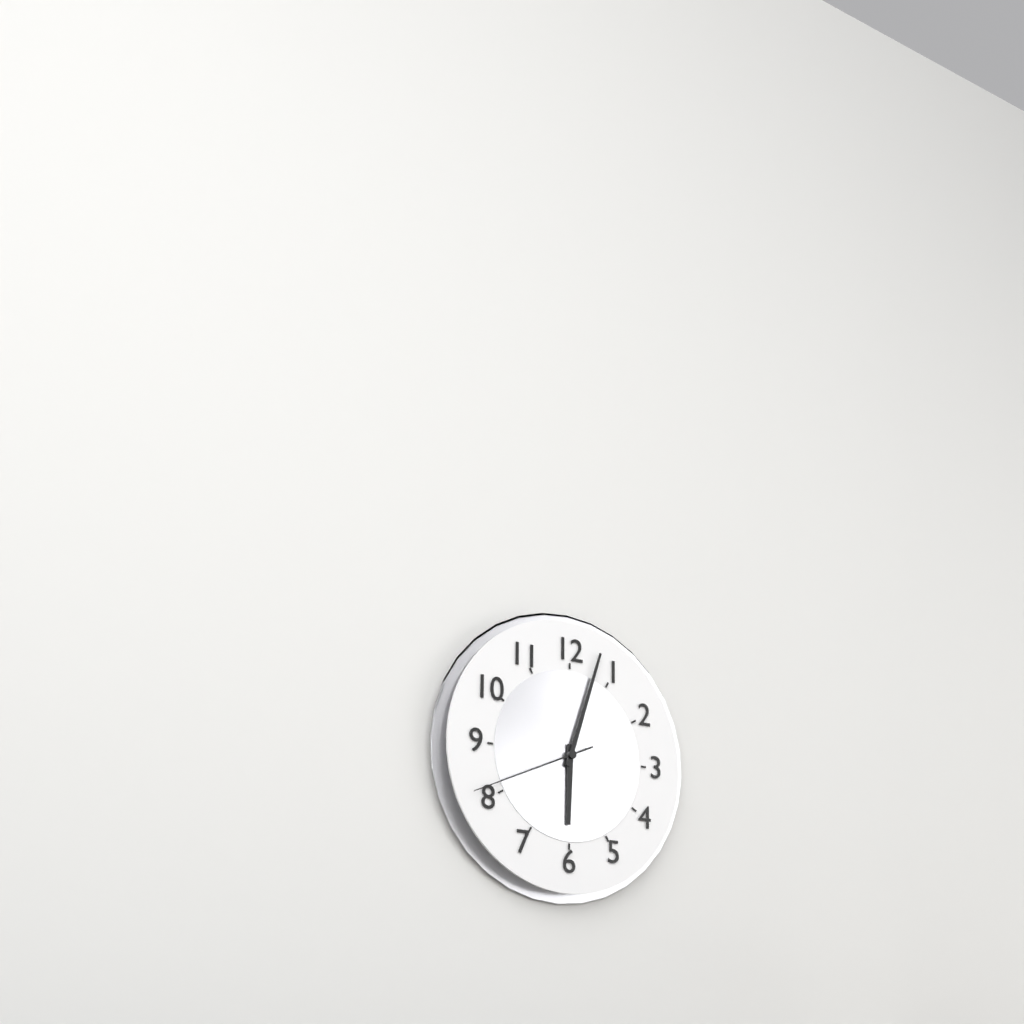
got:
**6:03:41**
